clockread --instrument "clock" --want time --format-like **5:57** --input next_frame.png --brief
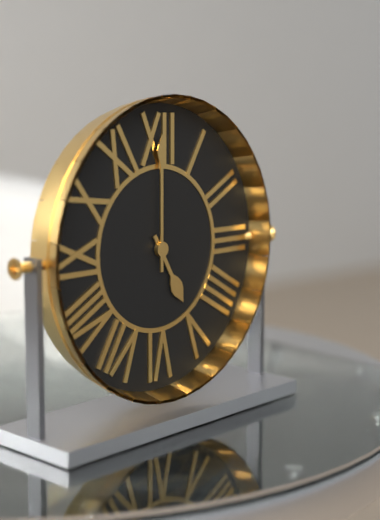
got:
**5:00**
